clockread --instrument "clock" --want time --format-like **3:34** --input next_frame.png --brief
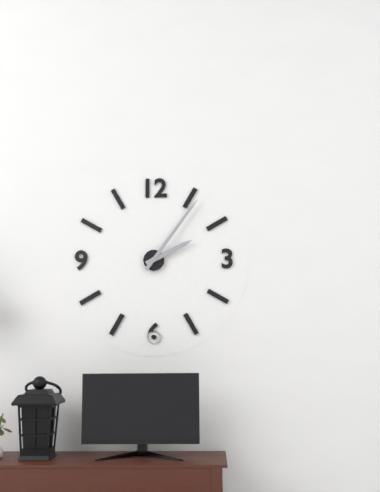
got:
**2:06**
